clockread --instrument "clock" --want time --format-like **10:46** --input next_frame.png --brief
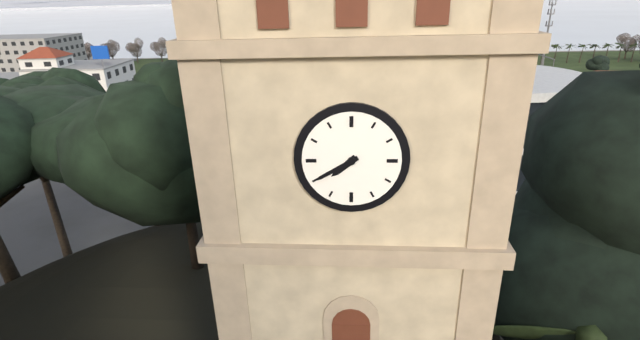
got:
**7:40**
